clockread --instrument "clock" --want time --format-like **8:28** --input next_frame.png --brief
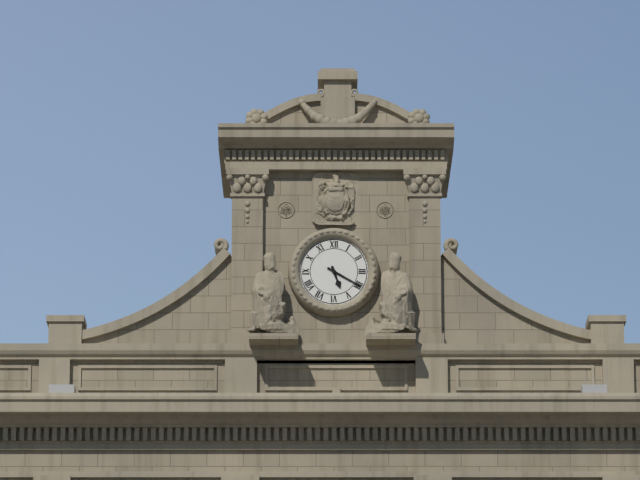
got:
**5:20**
